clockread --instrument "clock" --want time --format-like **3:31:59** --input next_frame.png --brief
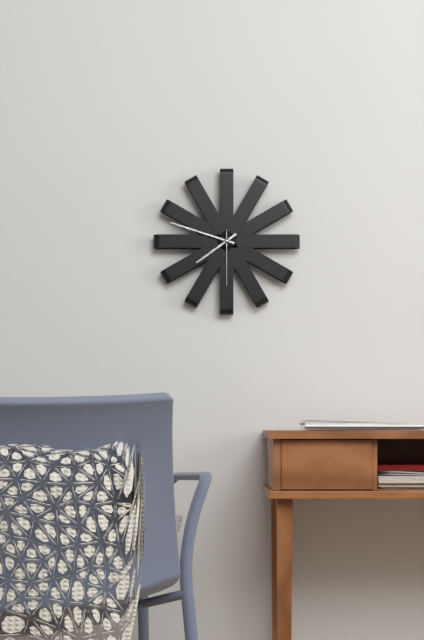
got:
**7:48:30**
